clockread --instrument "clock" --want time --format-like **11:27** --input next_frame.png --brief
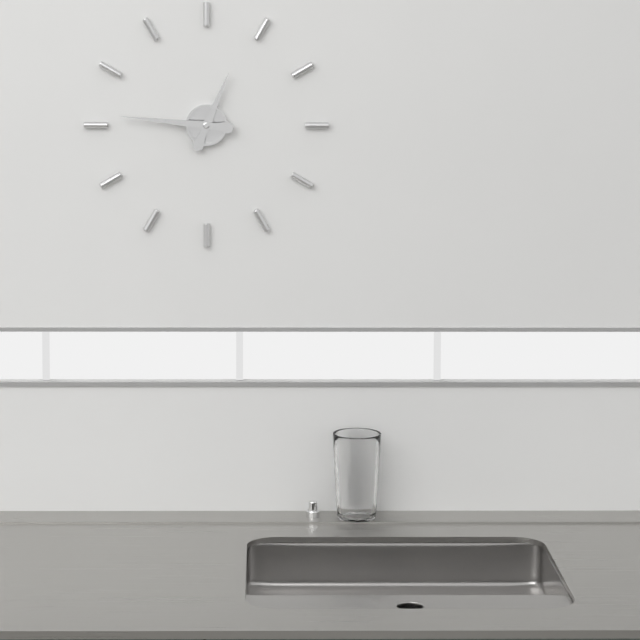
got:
**12:46**
